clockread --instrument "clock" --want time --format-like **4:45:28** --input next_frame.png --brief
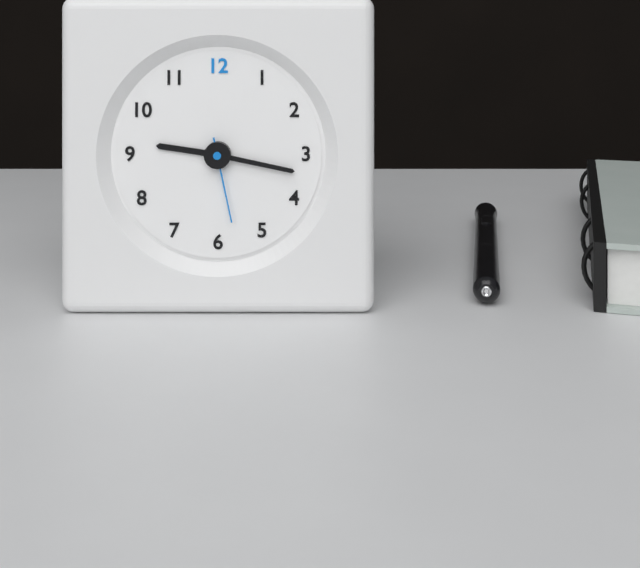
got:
**9:17:28**
